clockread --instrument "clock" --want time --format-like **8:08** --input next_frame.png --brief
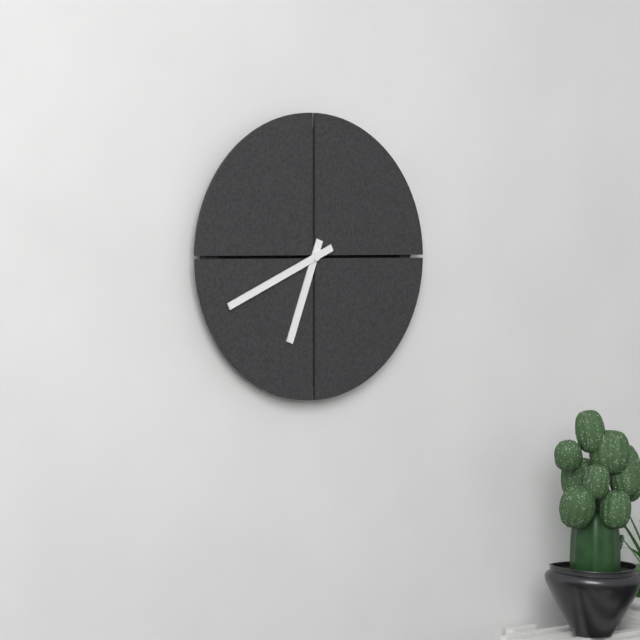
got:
**6:41**
